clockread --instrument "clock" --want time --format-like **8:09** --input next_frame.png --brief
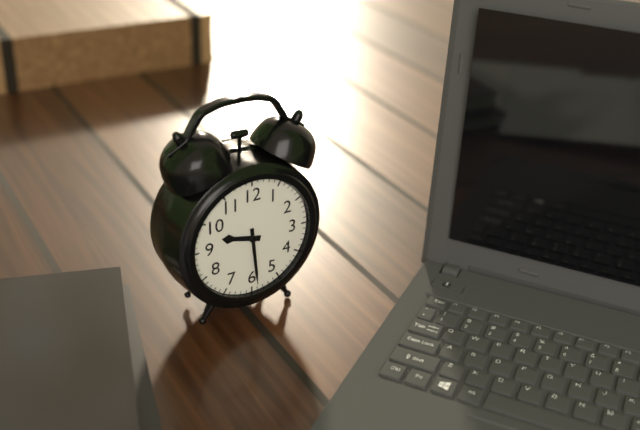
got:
**9:29**
